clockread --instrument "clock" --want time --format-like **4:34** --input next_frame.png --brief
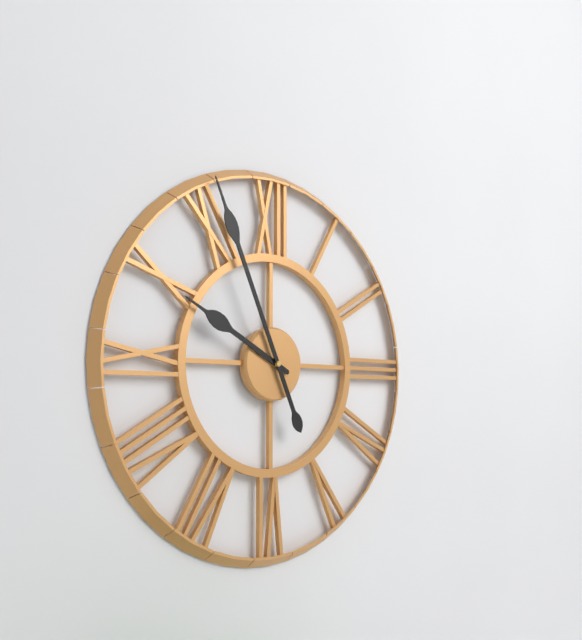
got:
**9:56**
